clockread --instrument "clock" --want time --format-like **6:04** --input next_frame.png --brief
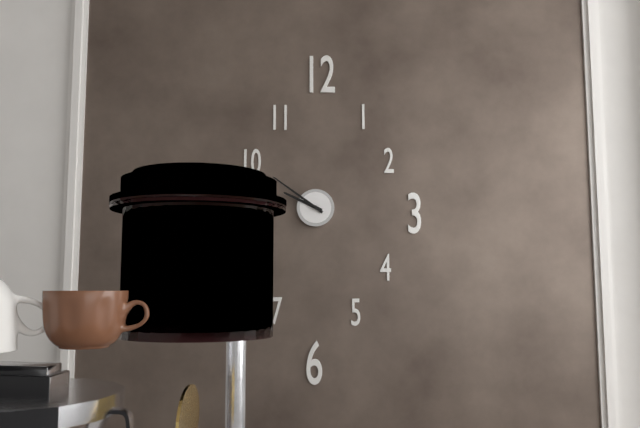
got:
**9:51**
